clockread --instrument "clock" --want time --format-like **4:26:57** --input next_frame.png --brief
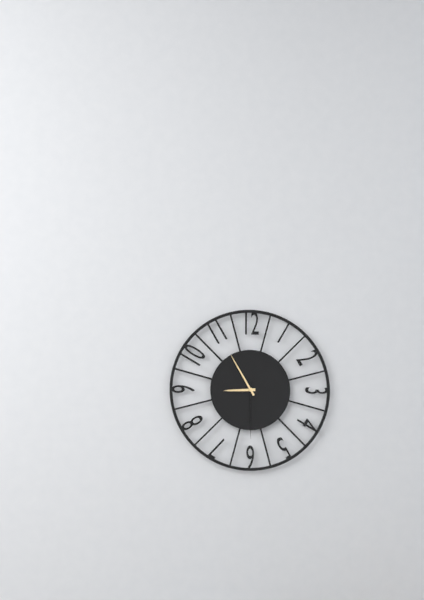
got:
**8:55:30**
